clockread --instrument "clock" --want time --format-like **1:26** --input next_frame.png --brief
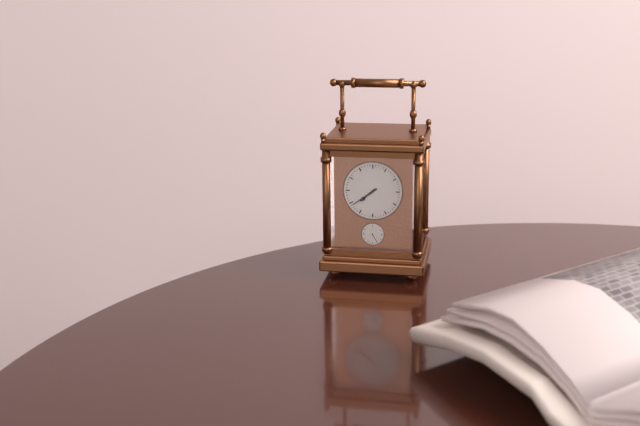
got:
**7:39**
